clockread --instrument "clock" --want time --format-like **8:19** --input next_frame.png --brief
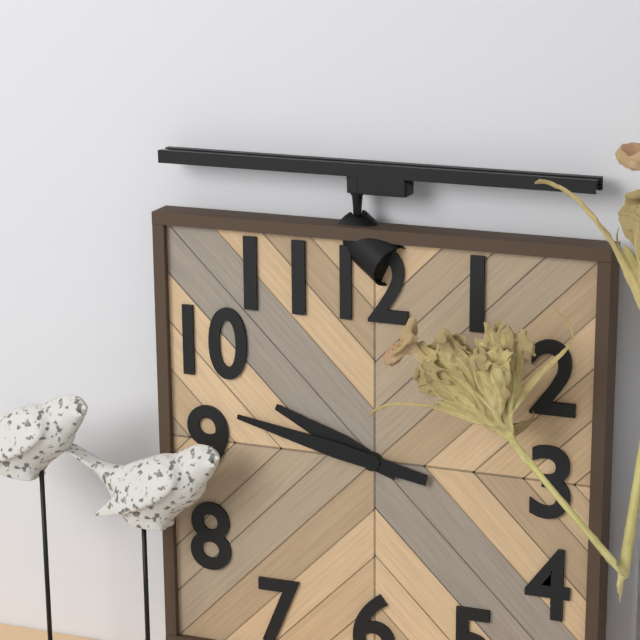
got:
**9:47**
